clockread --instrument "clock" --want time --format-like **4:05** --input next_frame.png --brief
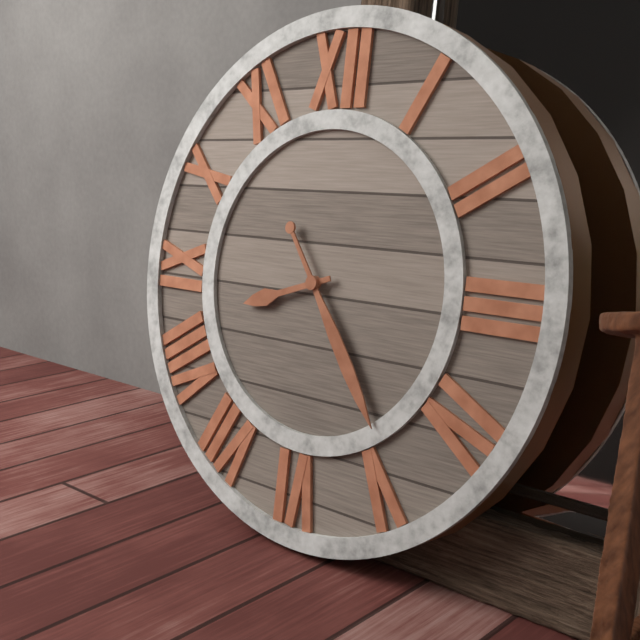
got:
**8:24**
